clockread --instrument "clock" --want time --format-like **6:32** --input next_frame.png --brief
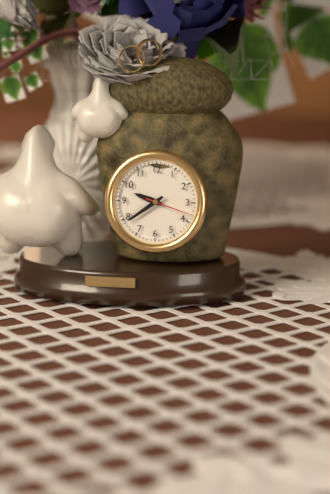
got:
**9:39**
